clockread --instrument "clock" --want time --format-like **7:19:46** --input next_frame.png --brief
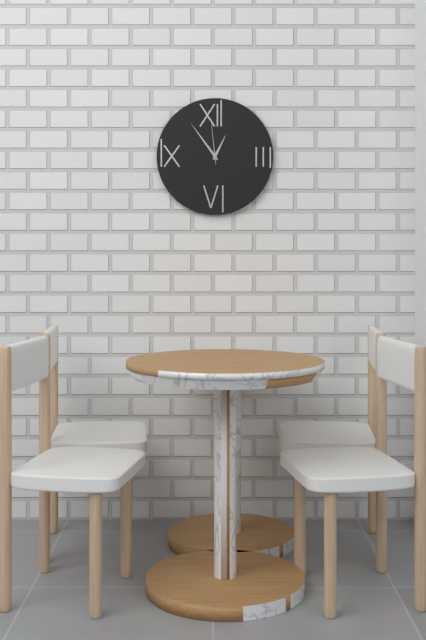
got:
**12:54:59**
